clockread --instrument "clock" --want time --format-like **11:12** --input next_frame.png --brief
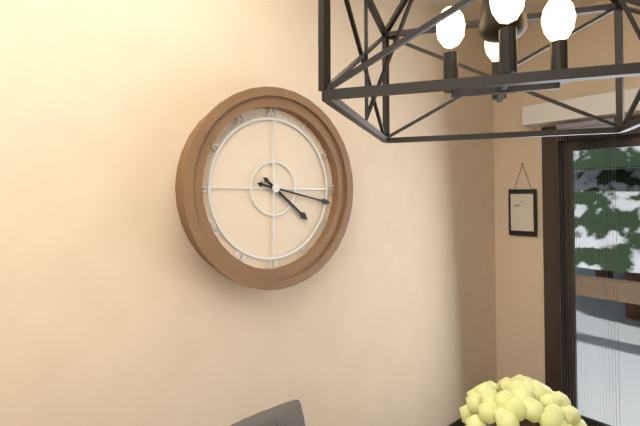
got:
**4:17**
